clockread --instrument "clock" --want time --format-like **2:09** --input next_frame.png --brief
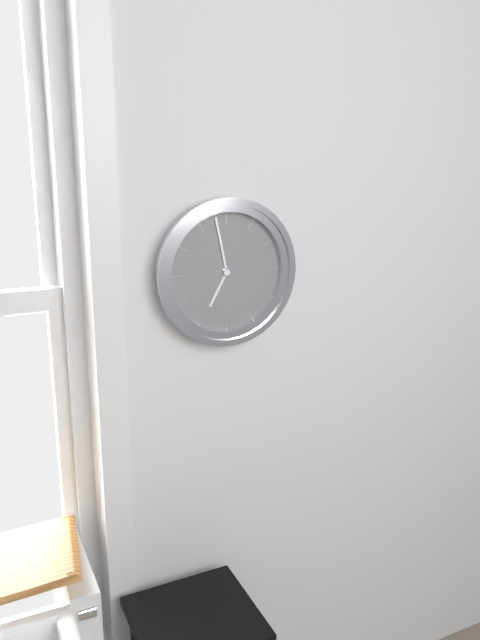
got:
**6:58**
